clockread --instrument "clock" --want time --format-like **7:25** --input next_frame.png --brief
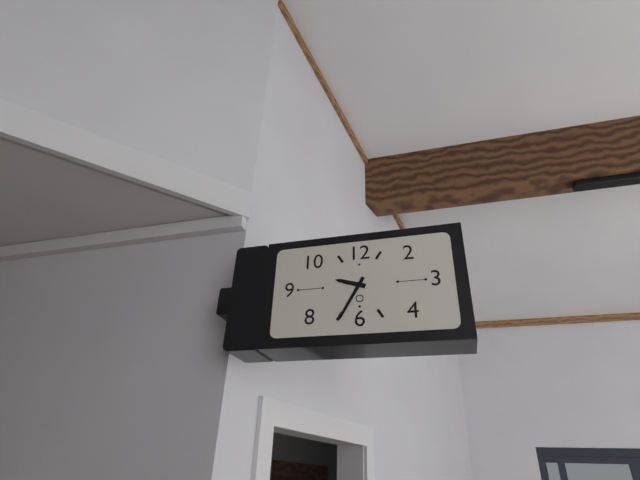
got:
**9:35**
